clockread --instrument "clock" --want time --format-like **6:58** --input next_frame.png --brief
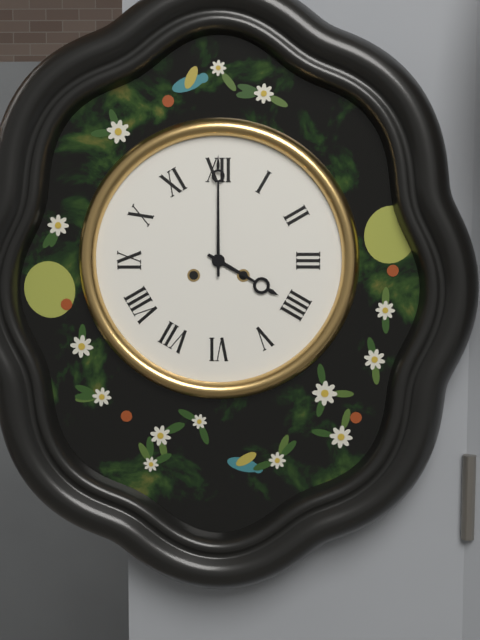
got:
**4:00**
